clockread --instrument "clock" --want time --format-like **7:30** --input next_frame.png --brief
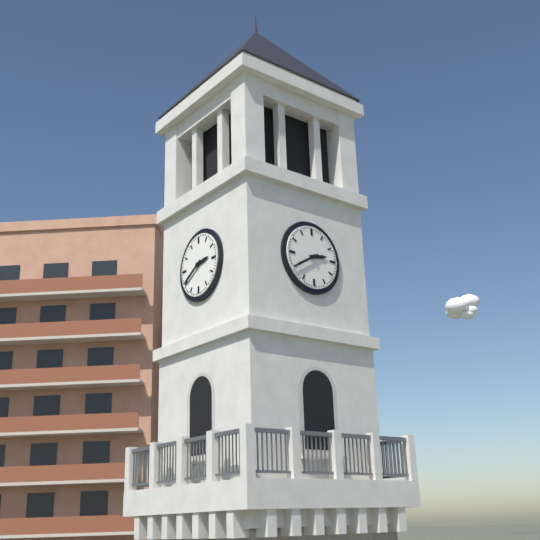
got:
**2:40**
